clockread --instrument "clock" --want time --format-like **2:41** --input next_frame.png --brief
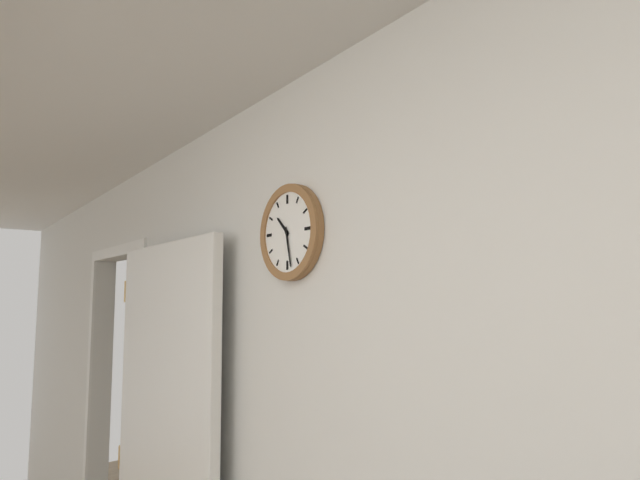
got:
**10:28**
